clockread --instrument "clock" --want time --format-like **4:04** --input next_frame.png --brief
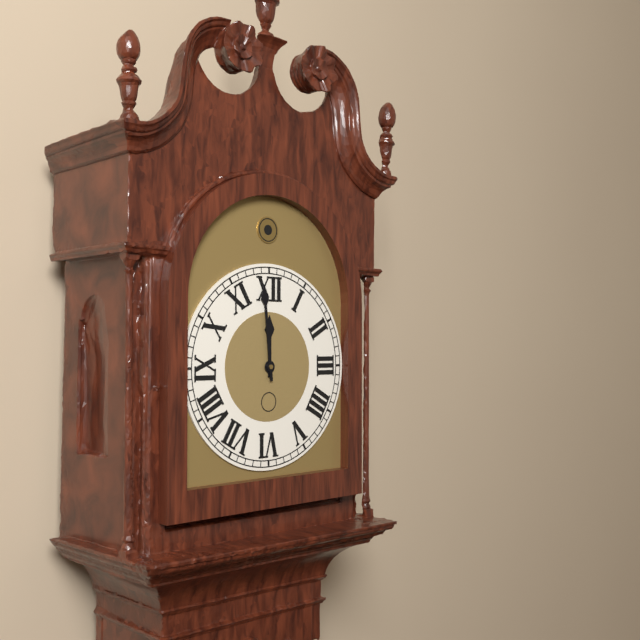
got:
**11:59**
